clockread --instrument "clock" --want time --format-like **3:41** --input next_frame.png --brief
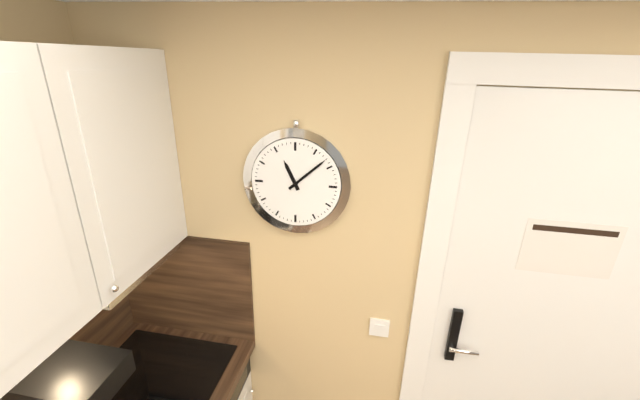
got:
**11:08**
